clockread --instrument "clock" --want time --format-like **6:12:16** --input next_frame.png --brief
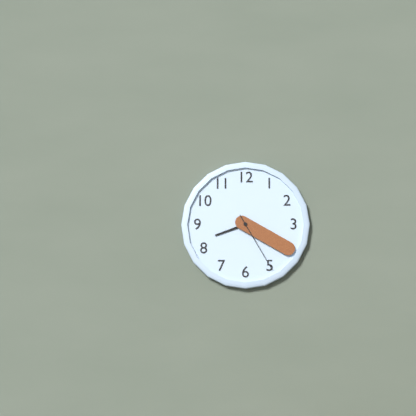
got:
**8:20:25**
